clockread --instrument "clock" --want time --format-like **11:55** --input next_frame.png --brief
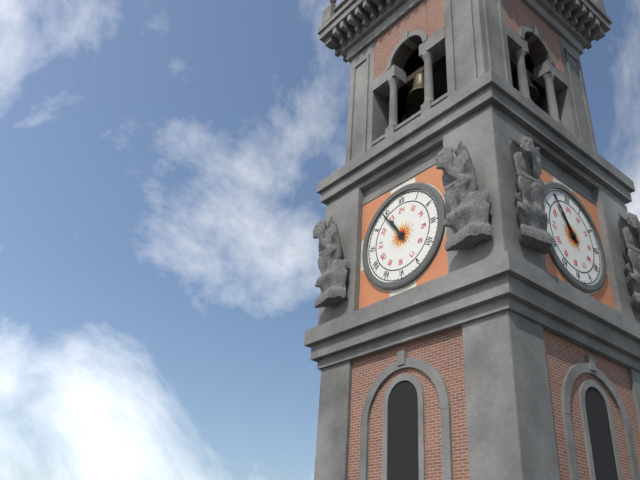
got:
**10:54**
